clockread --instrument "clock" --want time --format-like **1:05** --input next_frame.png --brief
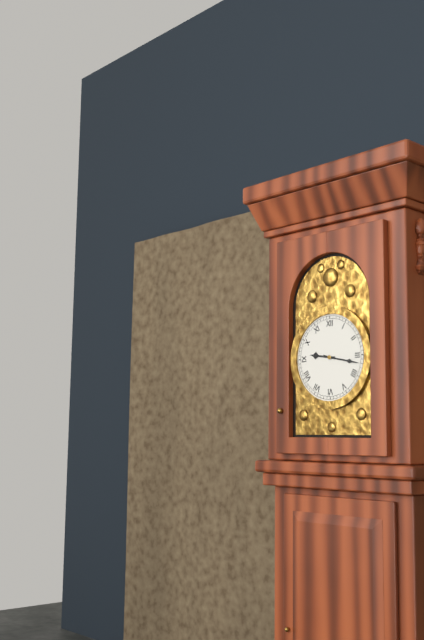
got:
**9:17**
